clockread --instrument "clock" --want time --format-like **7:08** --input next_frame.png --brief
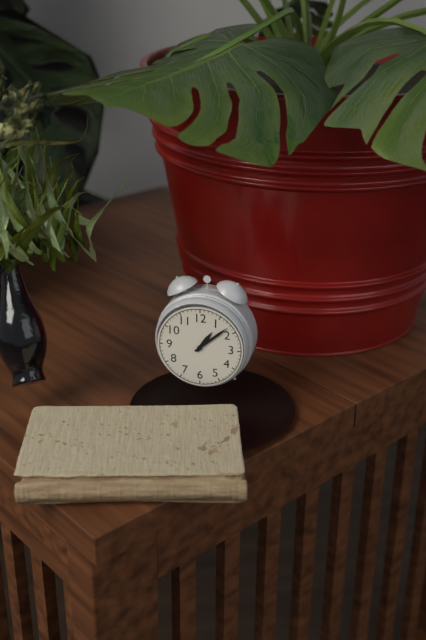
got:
**1:08**
